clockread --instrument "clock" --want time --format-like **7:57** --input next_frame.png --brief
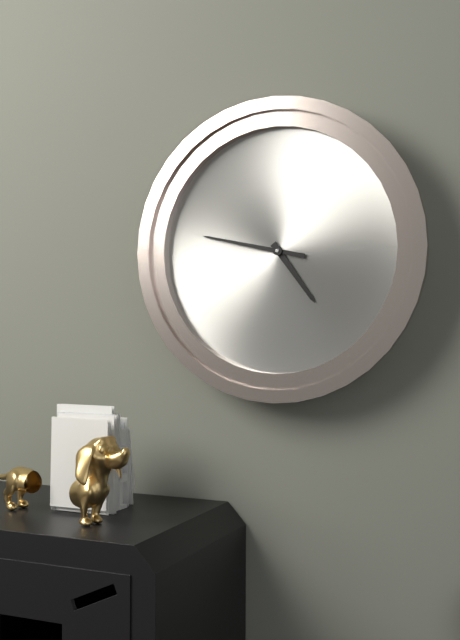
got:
**4:47**
